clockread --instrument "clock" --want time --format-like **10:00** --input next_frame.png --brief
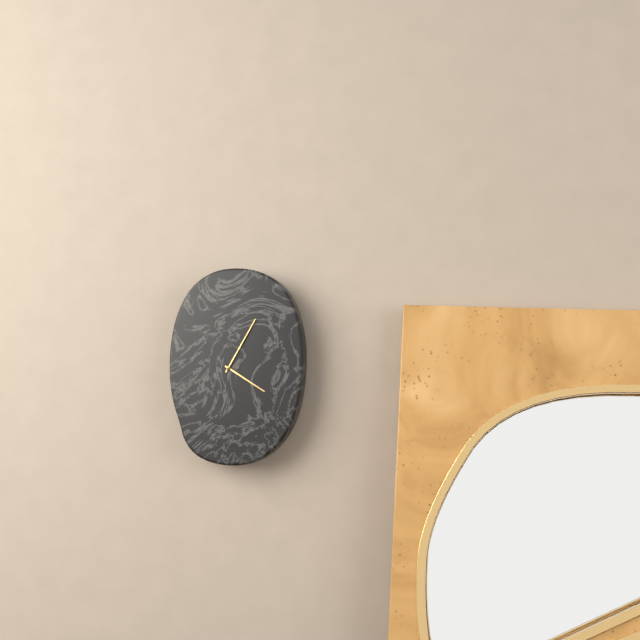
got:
**4:05**
